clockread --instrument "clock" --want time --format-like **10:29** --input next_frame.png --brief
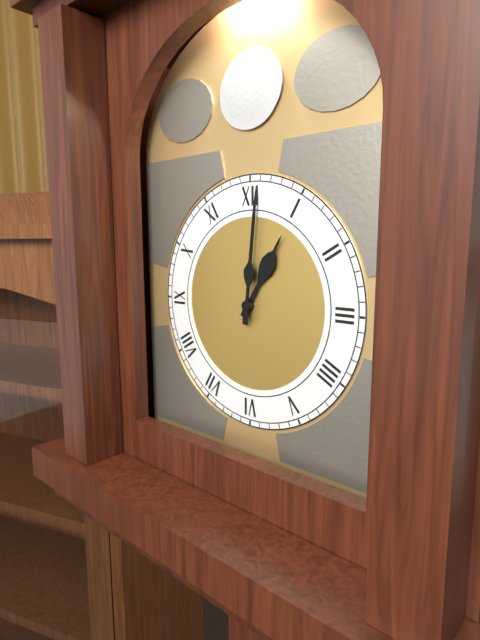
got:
**1:01**
